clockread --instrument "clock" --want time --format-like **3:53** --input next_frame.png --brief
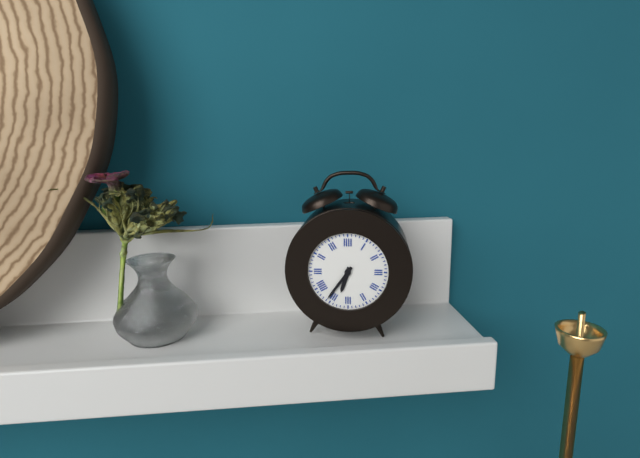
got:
**6:36**
